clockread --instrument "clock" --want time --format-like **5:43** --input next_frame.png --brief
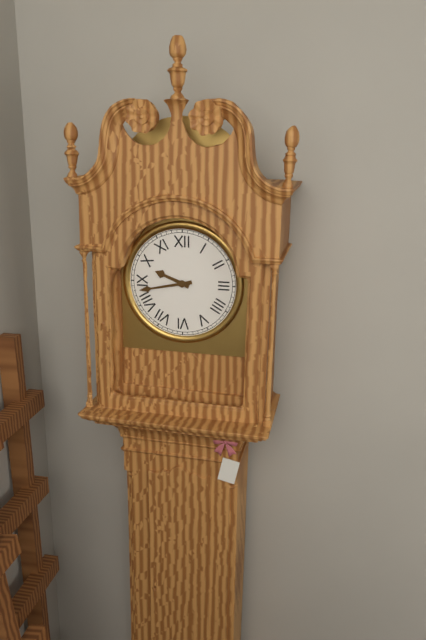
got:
**9:43**
